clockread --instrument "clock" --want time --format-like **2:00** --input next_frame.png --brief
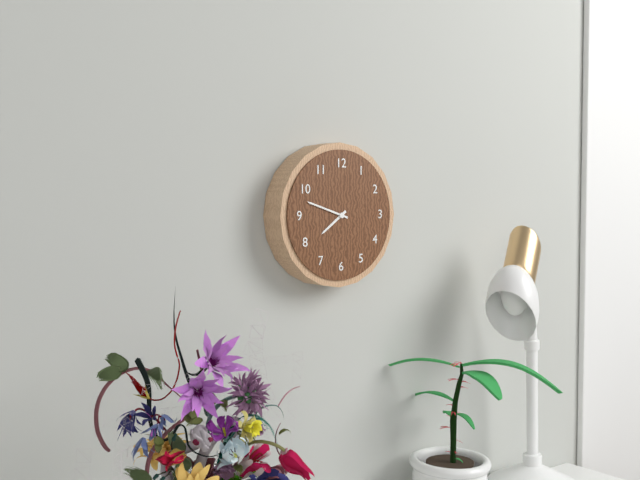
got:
**7:48**
